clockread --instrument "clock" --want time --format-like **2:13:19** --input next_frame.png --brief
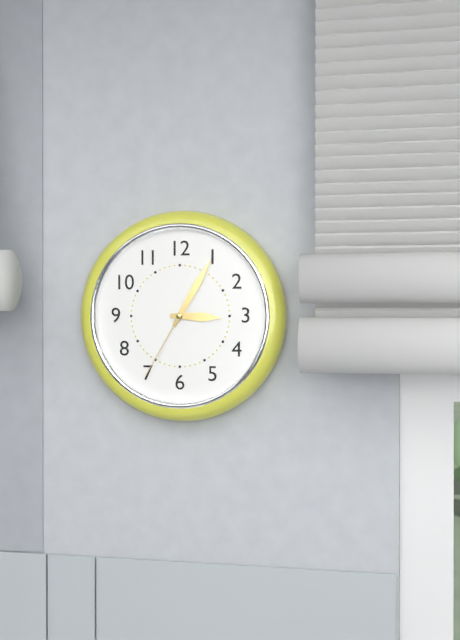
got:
**3:05:35**
